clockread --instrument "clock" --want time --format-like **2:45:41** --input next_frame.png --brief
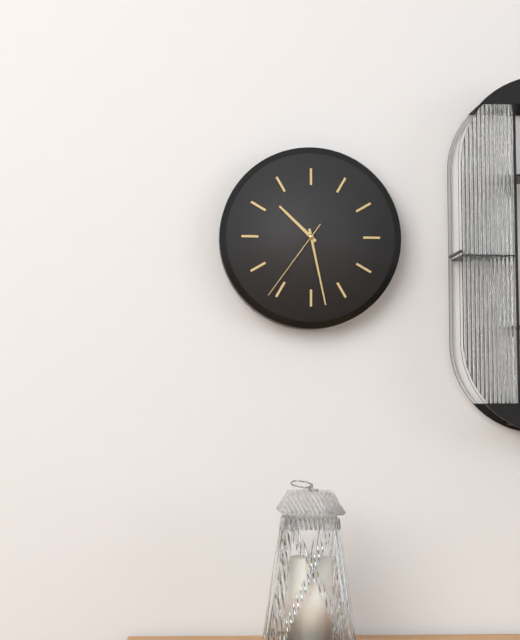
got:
**10:28:36**
